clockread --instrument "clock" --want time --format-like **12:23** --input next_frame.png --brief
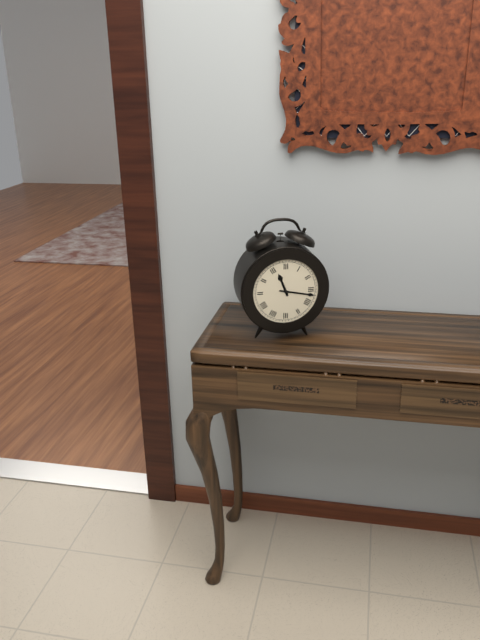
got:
**11:17**
